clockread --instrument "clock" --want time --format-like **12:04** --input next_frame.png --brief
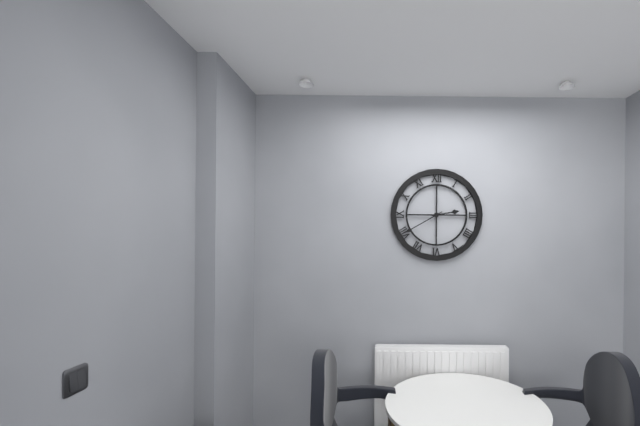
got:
**2:40**
